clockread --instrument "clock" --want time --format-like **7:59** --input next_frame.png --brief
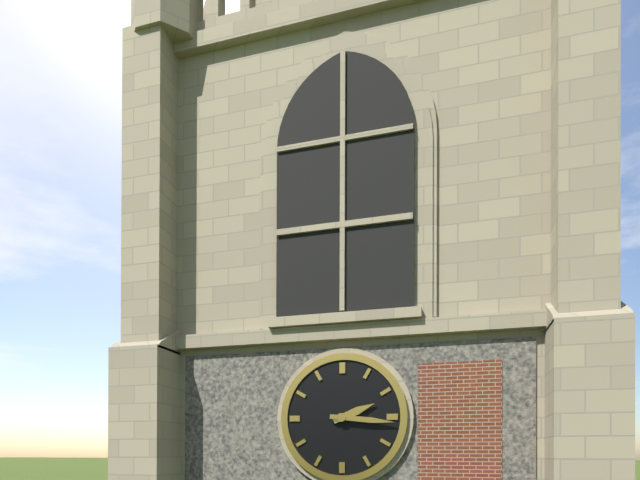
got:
**2:16**
